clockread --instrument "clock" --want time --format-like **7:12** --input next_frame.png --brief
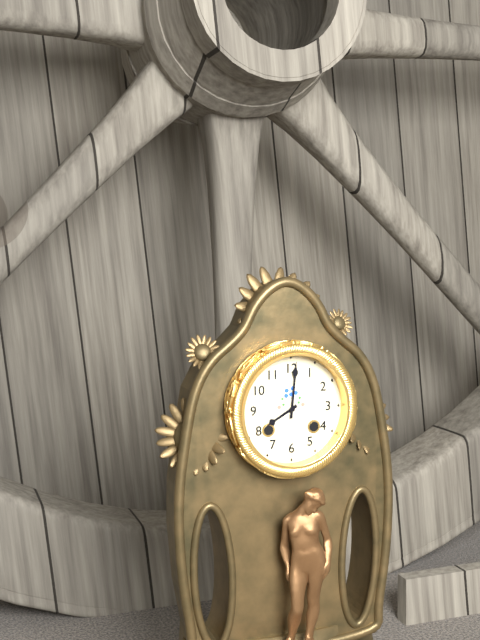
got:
**8:01**
